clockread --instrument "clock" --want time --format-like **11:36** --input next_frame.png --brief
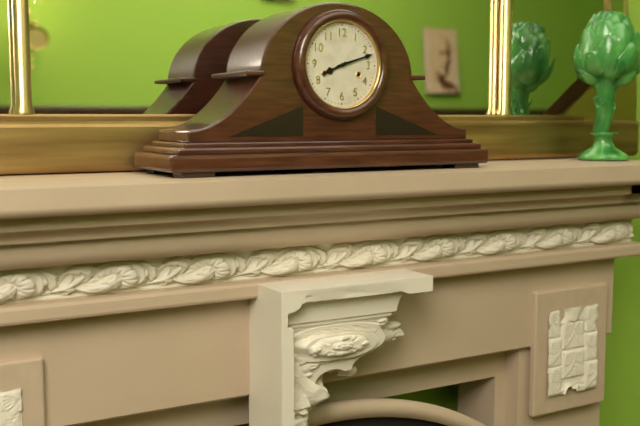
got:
**8:12**
